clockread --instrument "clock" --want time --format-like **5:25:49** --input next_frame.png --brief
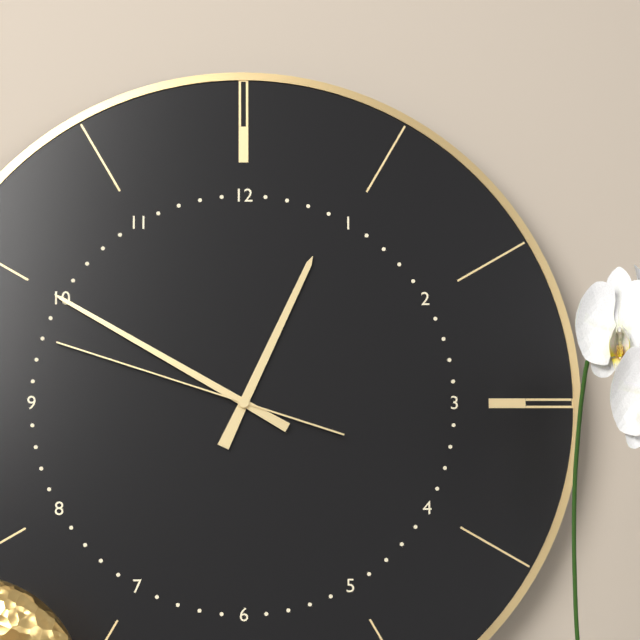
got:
**12:50:48**
